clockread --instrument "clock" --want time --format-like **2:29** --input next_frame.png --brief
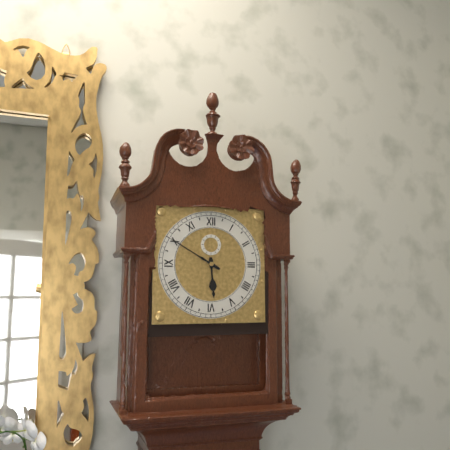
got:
**5:50**
